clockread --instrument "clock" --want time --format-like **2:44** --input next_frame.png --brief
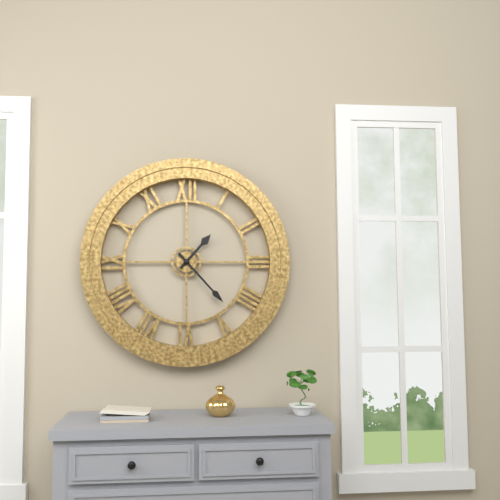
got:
**1:23**
